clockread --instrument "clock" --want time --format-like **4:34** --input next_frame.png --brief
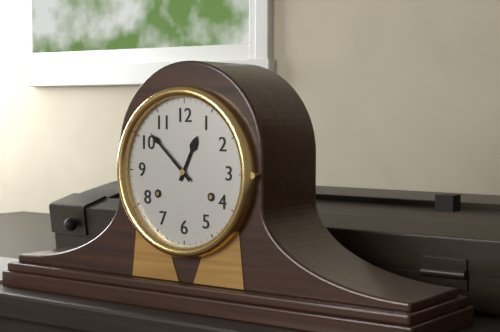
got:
**12:52**
